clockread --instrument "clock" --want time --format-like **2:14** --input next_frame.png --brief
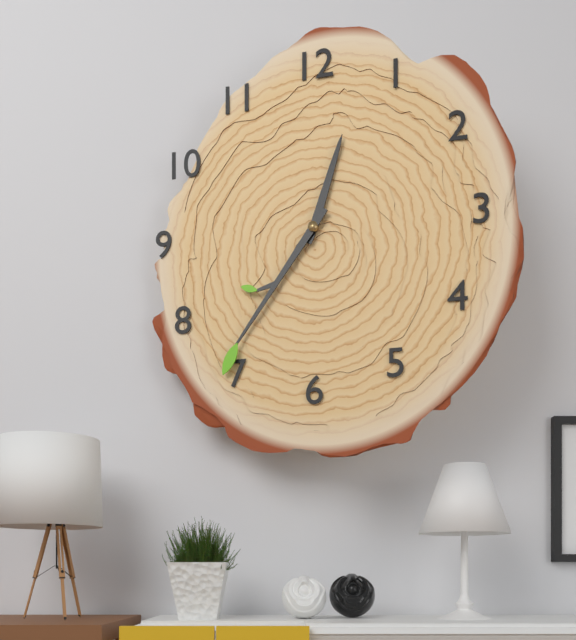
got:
**12:36**
